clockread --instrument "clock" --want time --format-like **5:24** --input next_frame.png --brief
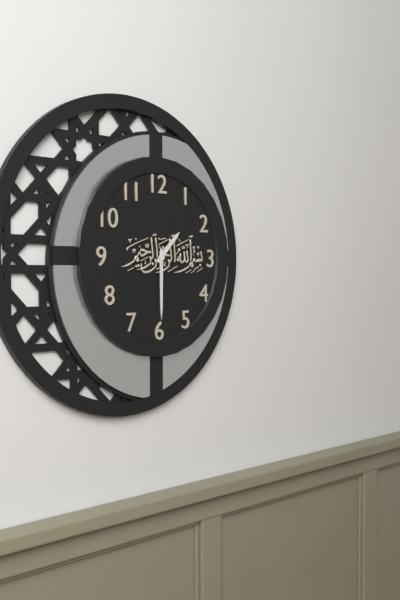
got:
**1:30**
